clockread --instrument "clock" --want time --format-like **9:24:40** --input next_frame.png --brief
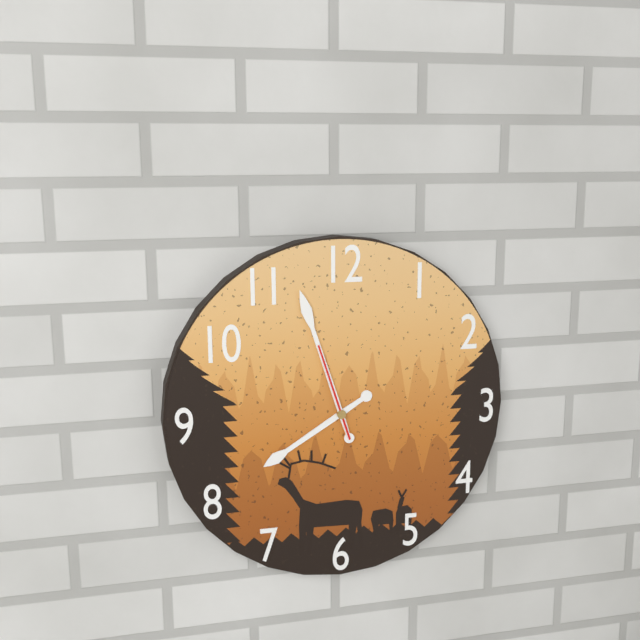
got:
**7:57:57**
